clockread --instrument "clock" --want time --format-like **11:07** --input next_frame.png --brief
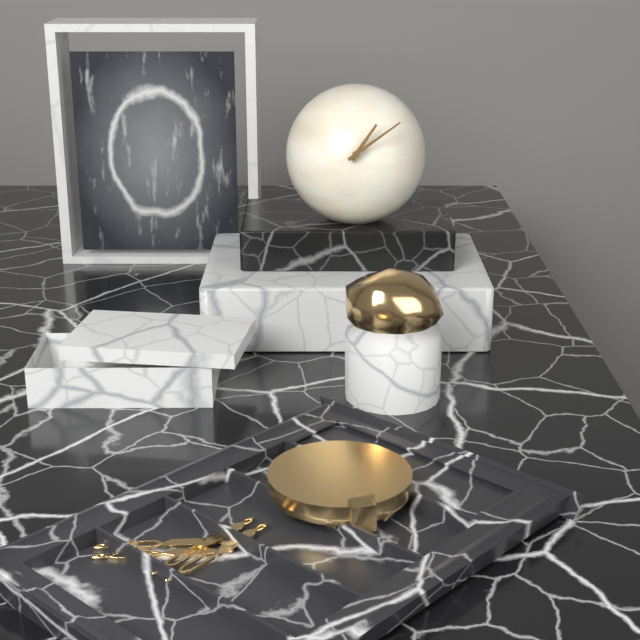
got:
**1:09**
